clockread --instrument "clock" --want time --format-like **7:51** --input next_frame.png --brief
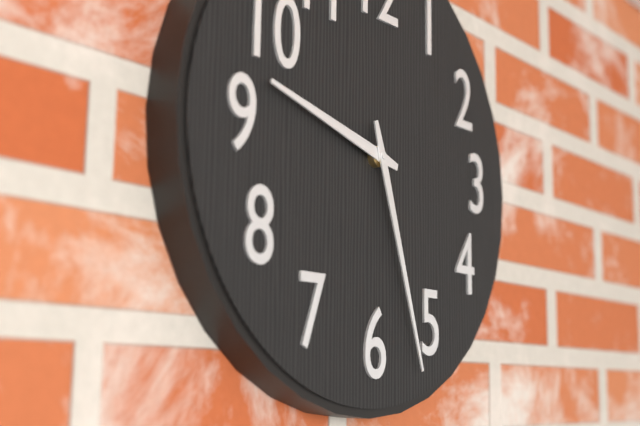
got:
**9:27**
